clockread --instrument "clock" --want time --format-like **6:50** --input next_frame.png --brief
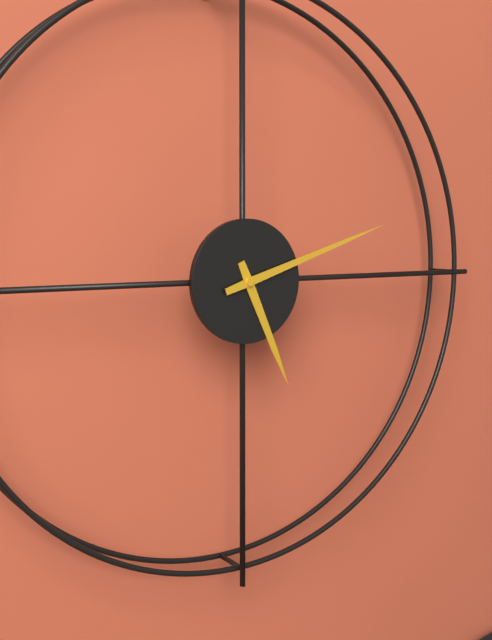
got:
**5:12**
